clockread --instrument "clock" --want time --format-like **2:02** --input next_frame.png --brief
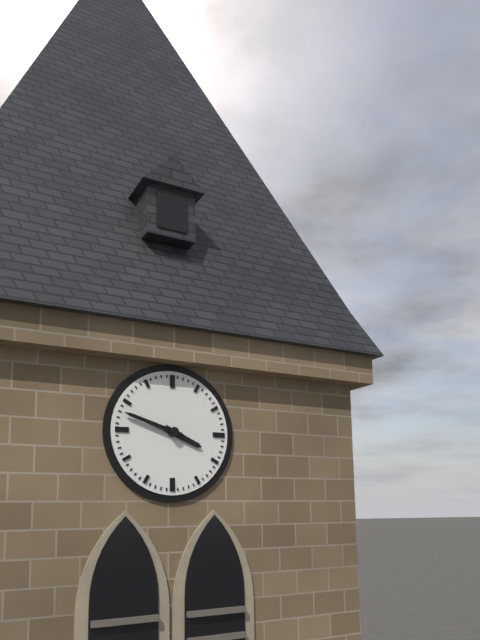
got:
**3:48**
